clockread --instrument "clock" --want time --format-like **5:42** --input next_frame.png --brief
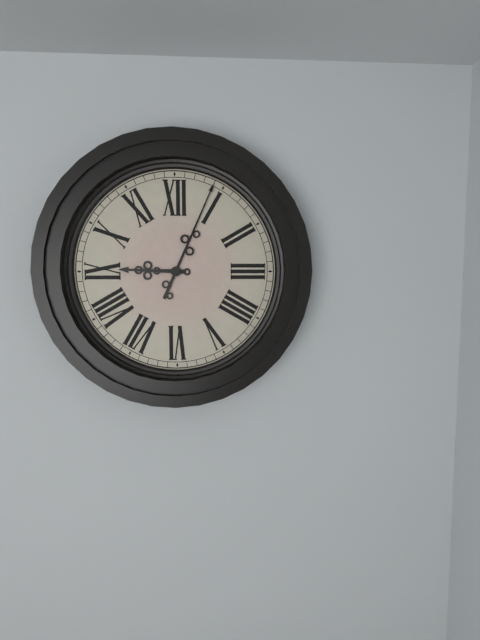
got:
**9:04**
